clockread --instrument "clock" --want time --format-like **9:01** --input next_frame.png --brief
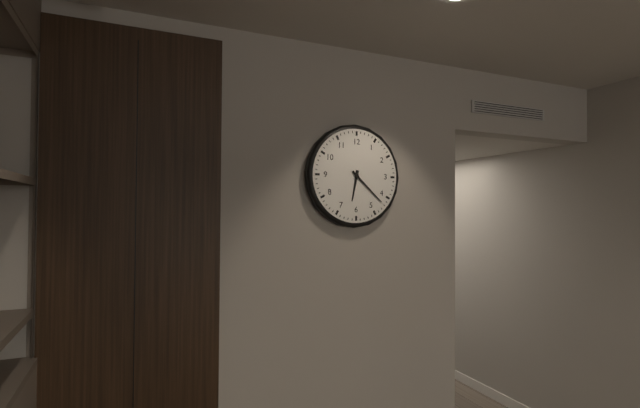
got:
**6:22**
